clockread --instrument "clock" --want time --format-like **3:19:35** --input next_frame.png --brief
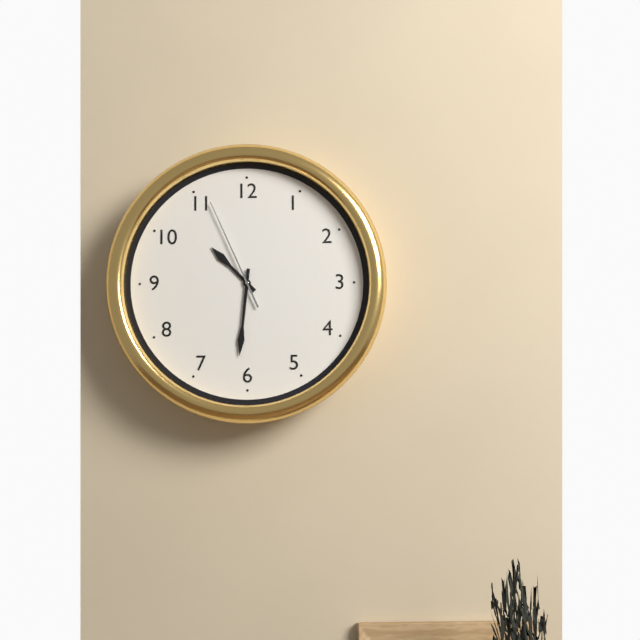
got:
**10:31:56**
